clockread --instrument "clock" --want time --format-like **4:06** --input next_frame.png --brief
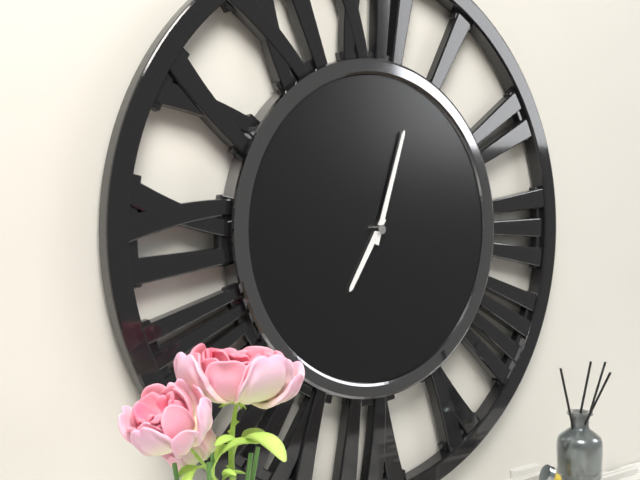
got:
**7:03**
